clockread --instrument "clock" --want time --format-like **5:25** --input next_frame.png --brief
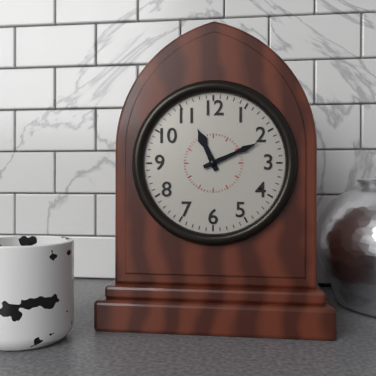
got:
**11:11**
